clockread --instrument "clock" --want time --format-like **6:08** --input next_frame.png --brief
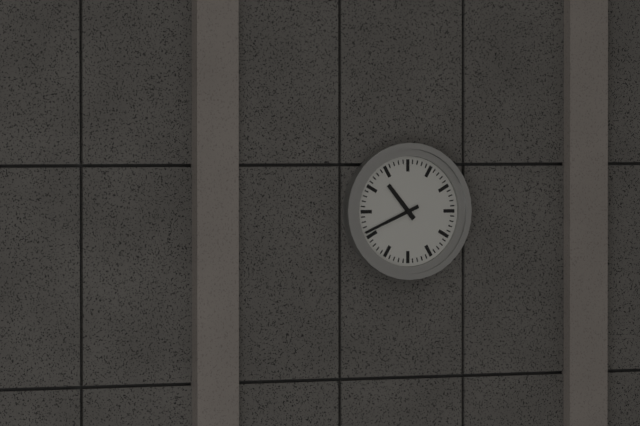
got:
**10:41**
